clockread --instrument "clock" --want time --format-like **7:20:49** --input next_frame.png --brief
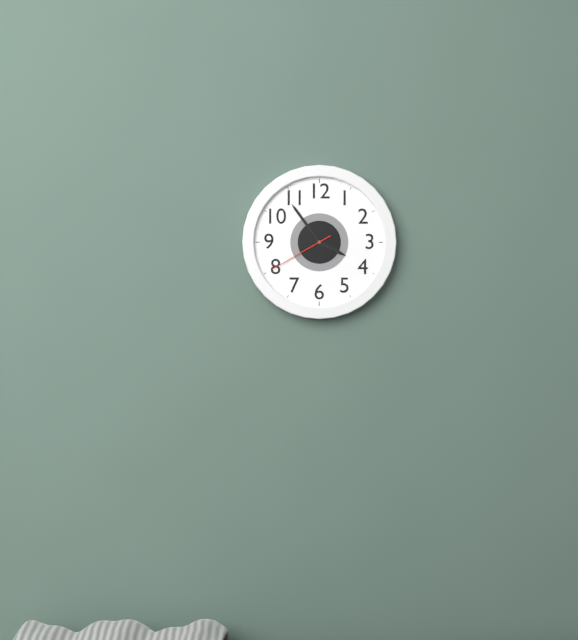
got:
**3:54:40**
